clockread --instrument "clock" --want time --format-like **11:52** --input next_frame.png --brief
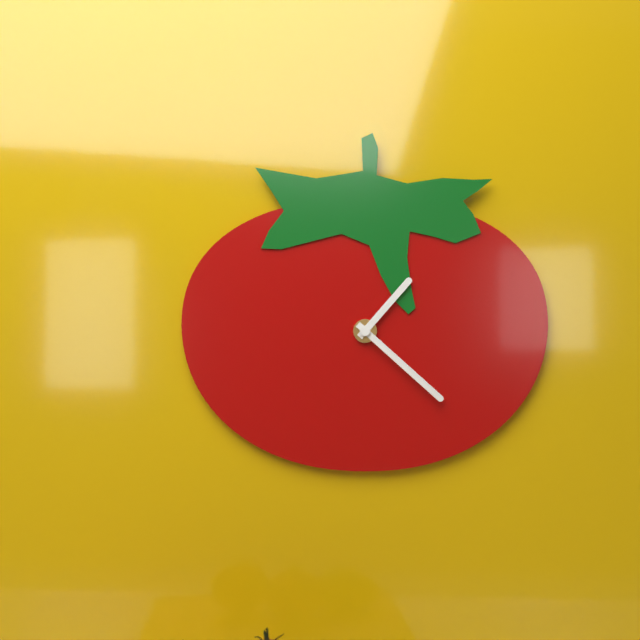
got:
**1:22**
